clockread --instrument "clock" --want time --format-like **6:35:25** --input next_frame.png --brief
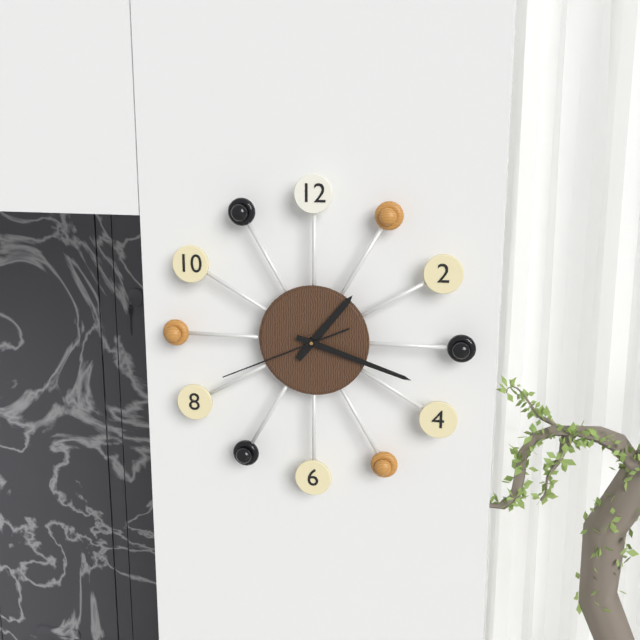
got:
**1:18:41**
